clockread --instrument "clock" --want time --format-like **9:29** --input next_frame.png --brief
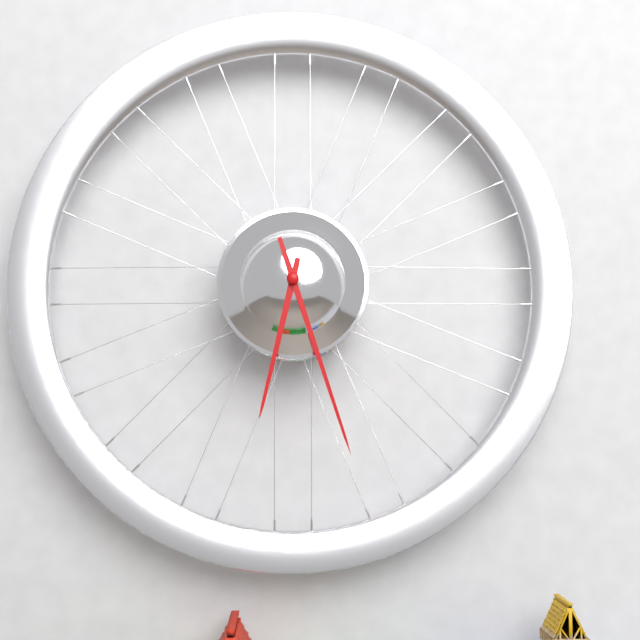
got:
**6:27**
